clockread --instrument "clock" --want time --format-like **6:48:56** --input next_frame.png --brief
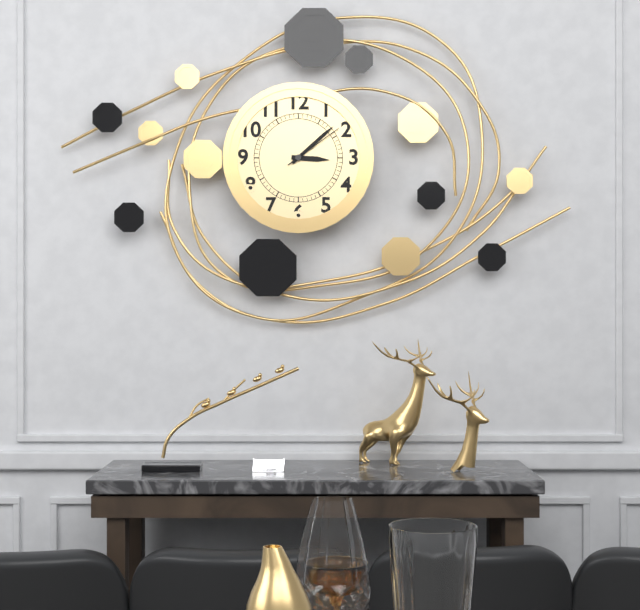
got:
**3:08:09**
